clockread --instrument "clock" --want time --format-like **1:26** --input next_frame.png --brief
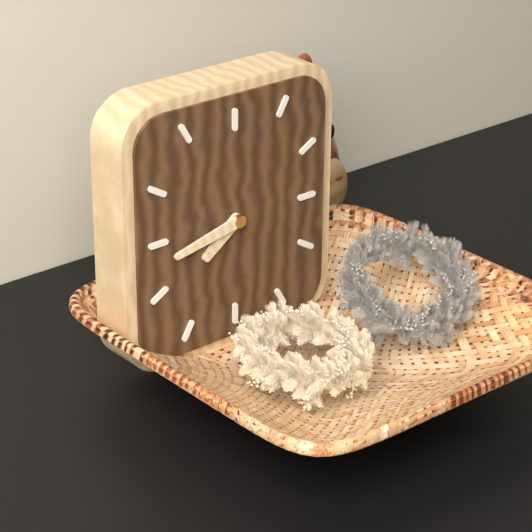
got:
**7:43**
